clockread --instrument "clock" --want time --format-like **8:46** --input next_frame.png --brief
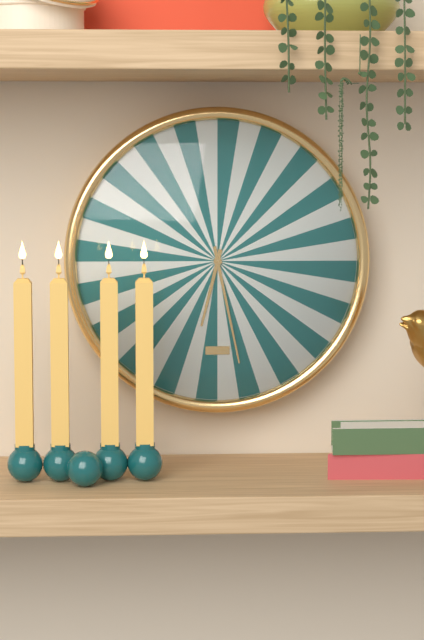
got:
**6:28**
